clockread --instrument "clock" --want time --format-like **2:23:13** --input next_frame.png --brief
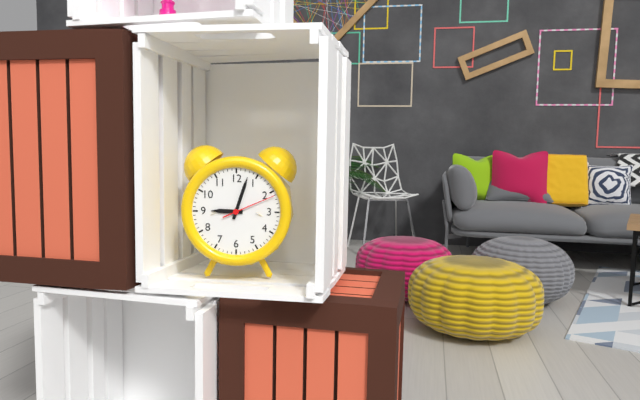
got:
**9:03:11**
